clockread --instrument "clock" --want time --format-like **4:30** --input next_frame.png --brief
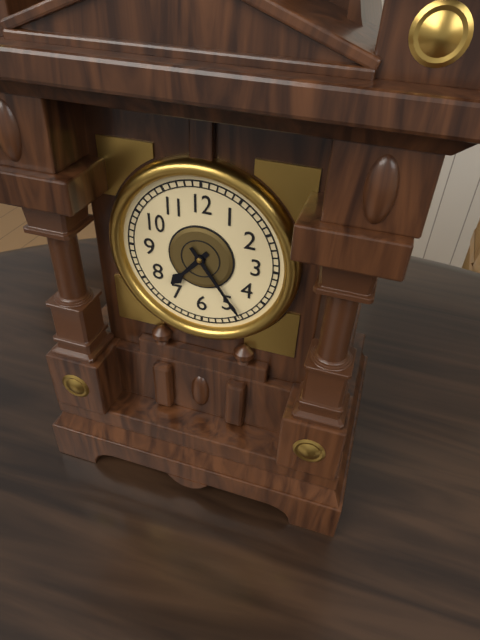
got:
**7:24**
